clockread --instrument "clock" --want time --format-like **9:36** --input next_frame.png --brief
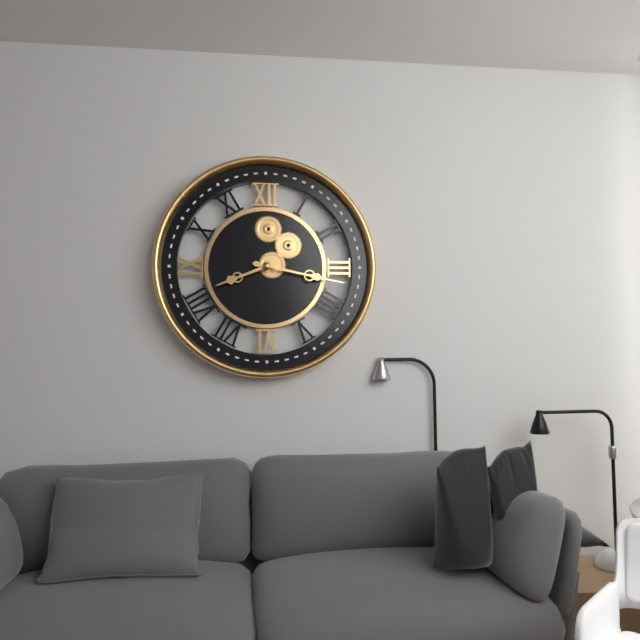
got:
**8:17**
